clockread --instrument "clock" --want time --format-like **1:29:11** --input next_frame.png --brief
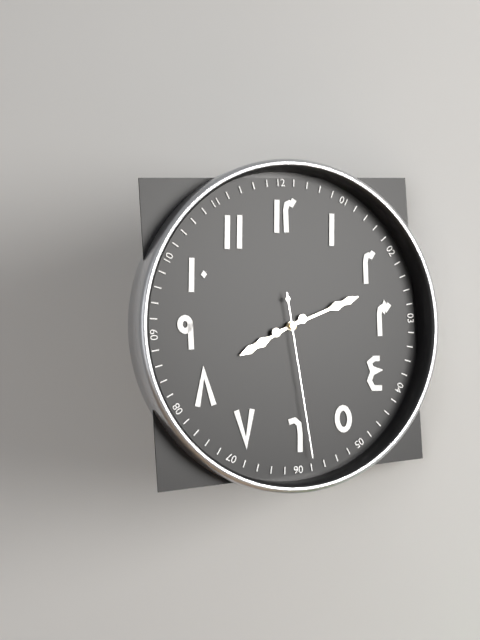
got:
**8:12:29**
